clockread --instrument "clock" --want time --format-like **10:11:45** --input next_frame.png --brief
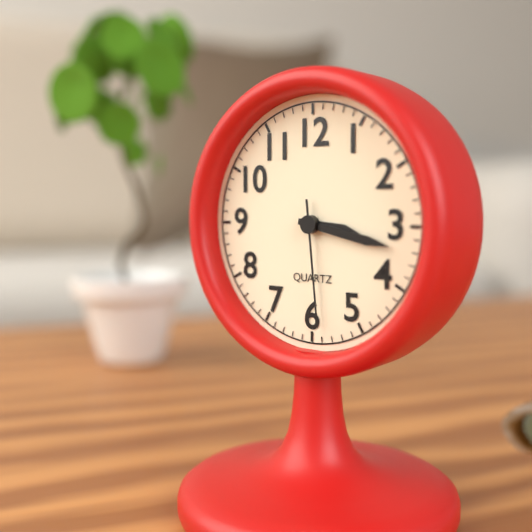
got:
**3:17:29**
